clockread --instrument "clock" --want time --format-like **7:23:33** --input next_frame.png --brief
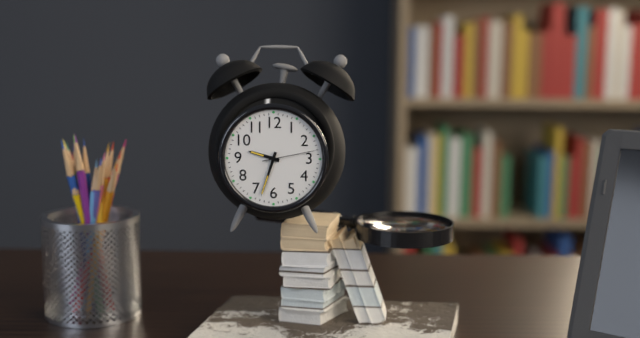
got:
**9:33:13**
